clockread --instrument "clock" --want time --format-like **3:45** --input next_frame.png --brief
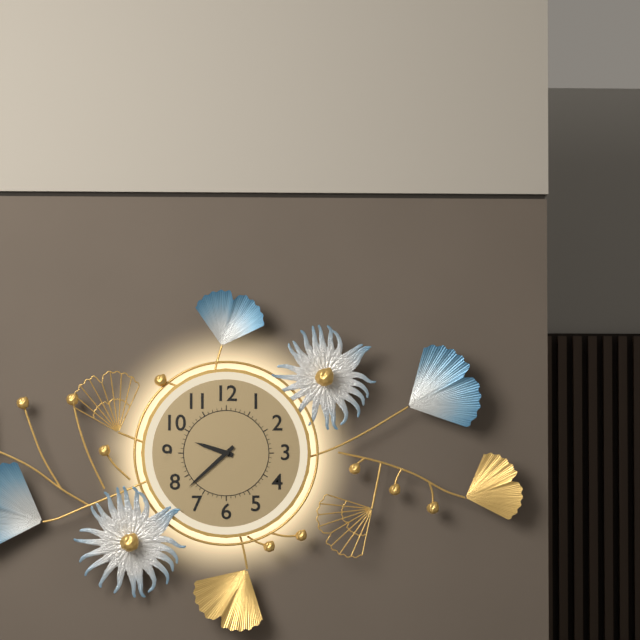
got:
**9:38**
